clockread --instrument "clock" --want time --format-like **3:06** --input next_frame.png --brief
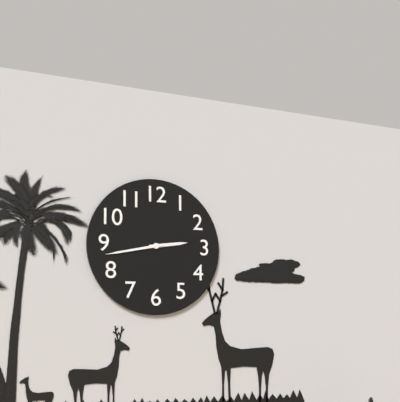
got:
**2:43**
